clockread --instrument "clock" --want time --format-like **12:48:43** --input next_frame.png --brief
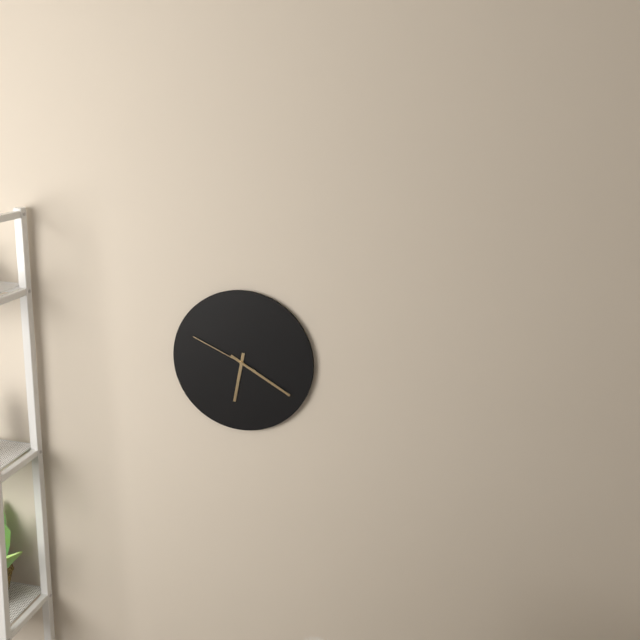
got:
**6:20:49**
